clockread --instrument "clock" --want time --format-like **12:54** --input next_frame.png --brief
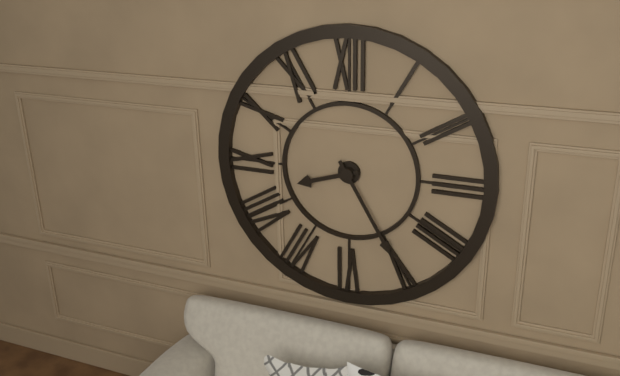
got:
**8:25**
